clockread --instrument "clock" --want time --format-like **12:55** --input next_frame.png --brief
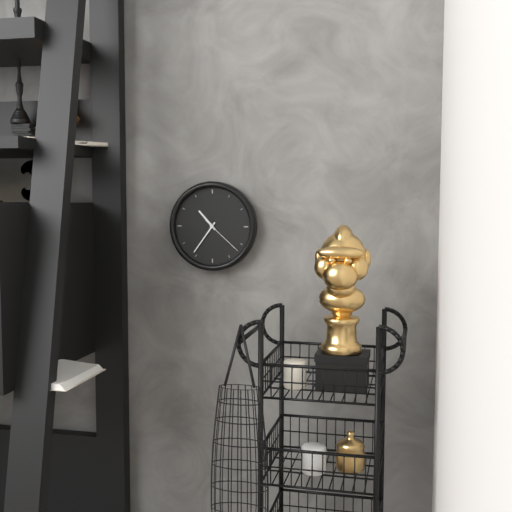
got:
**10:36**
